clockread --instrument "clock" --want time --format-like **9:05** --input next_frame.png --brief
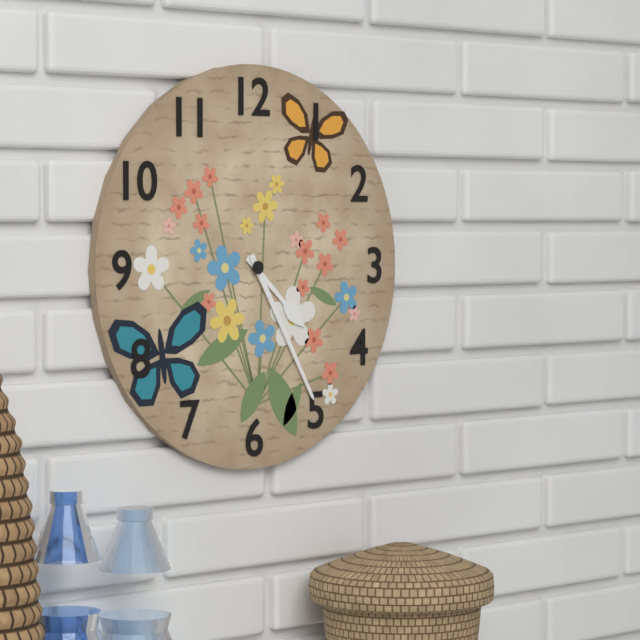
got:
**4:25**
